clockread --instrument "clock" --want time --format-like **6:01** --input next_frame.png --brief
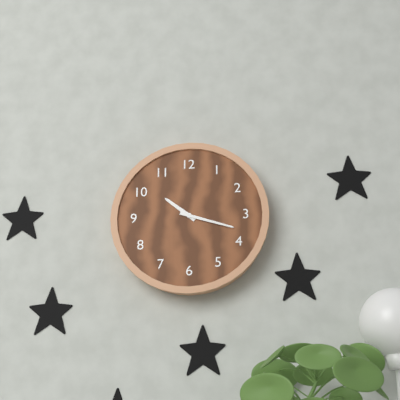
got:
**10:18**
